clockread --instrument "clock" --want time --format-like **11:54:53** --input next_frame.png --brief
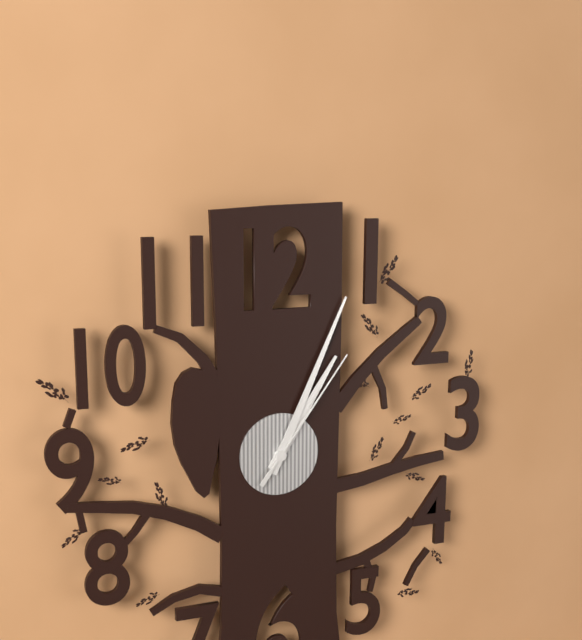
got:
**1:04:06**
